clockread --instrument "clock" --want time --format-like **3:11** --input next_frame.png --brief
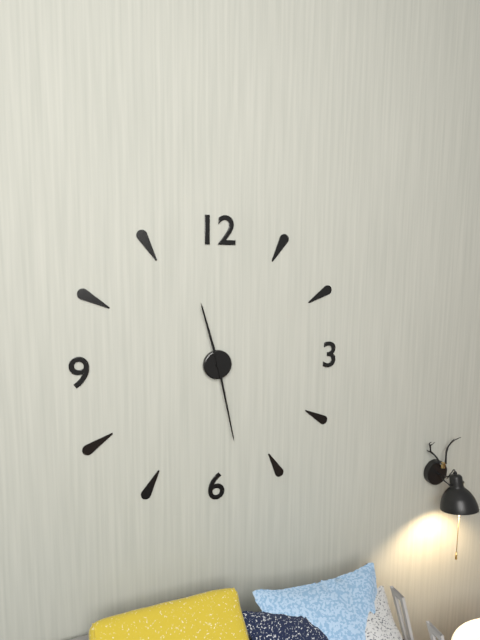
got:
**11:28**
